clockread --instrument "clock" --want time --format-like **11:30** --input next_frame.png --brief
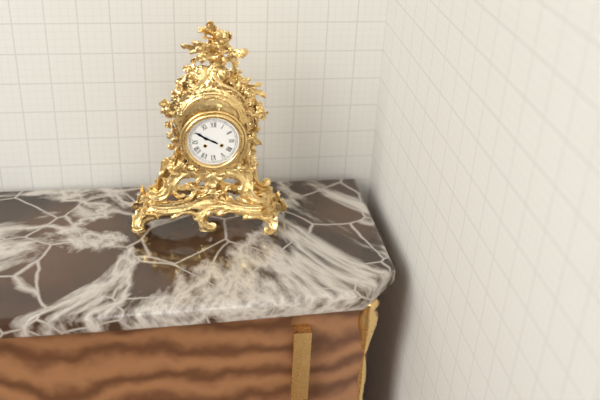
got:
**9:50**
